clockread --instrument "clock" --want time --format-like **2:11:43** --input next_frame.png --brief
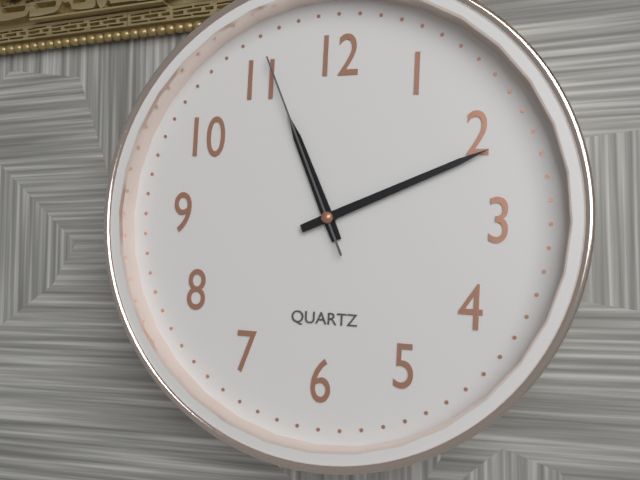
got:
**11:11:56**
